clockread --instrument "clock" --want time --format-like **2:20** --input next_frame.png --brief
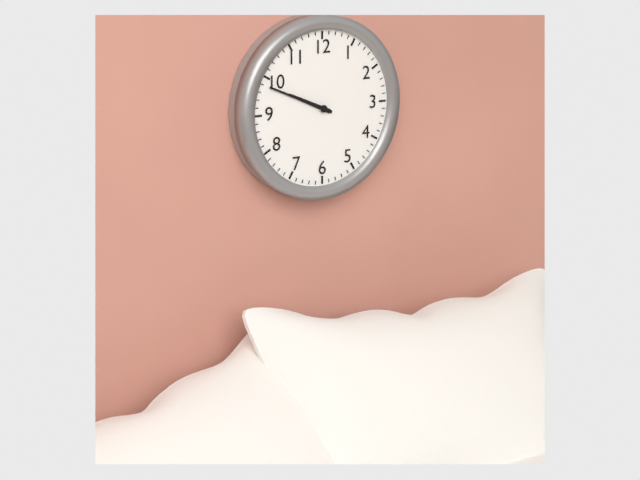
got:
**9:49**
